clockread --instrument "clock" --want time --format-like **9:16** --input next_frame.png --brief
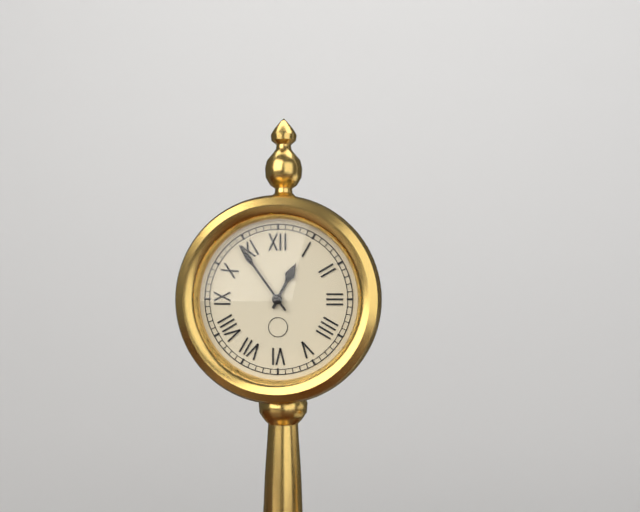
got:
**12:54**
